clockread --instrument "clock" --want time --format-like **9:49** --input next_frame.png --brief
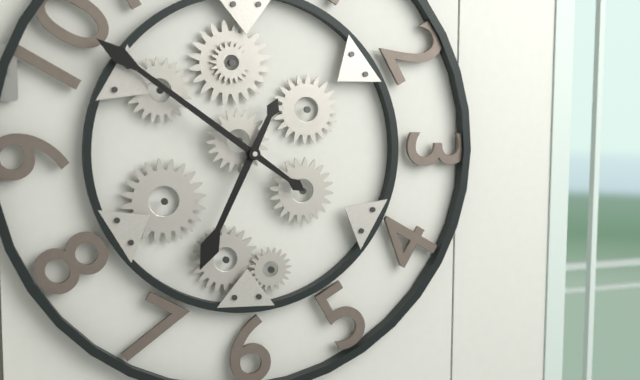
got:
**6:51**
